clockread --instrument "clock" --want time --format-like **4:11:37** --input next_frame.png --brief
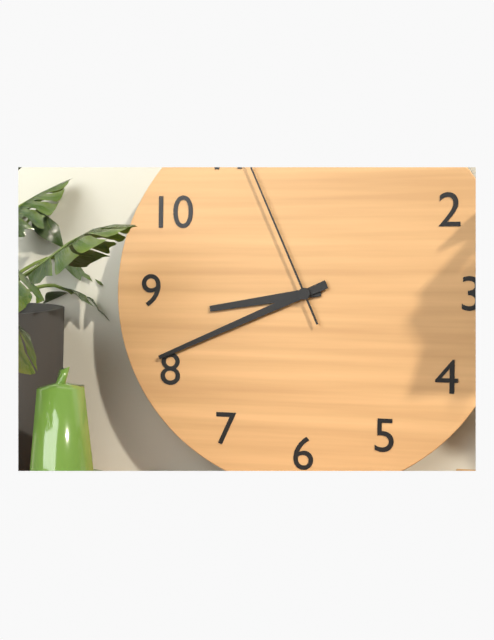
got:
**8:41:56**
